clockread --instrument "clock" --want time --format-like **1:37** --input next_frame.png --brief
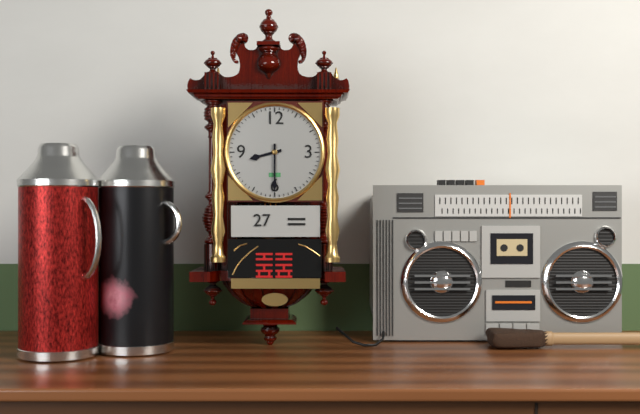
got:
**8:30**
